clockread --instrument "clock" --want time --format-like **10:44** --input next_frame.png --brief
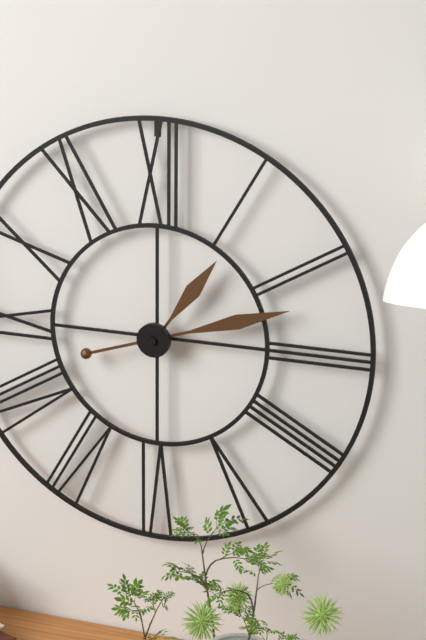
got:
**1:12**
